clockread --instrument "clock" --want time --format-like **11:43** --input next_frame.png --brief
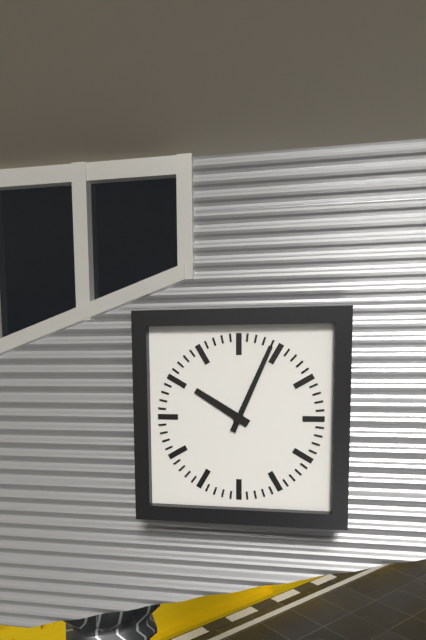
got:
**10:04**
